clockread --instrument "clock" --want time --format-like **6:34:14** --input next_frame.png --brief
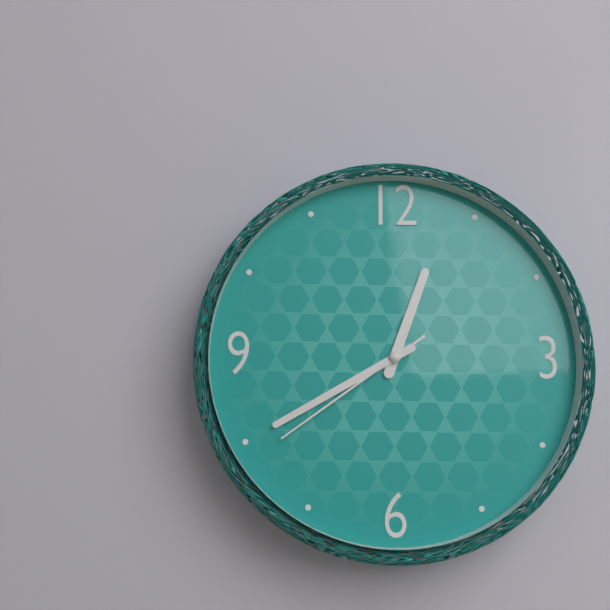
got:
**12:40:39**
